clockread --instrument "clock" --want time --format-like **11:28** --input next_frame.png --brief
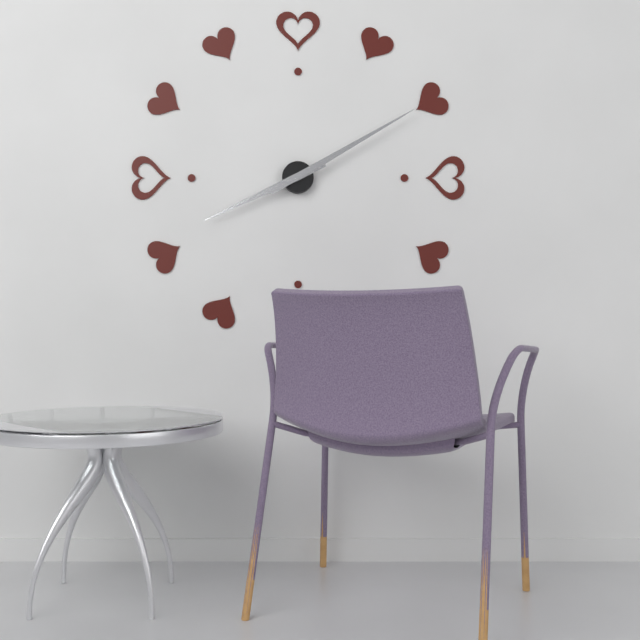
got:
**8:10**
